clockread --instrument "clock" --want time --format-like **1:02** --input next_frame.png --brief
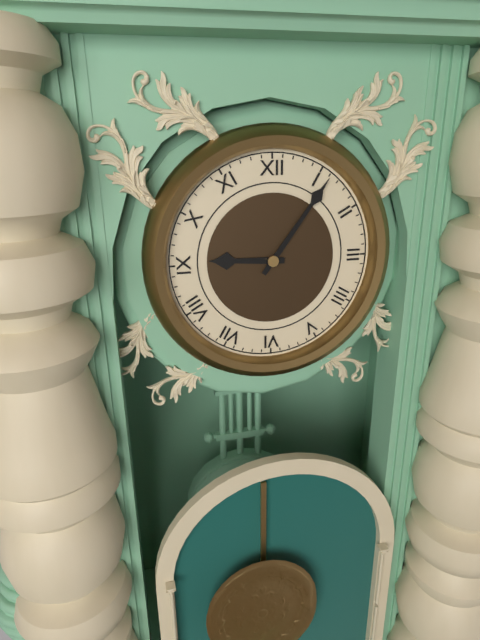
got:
**9:06**
